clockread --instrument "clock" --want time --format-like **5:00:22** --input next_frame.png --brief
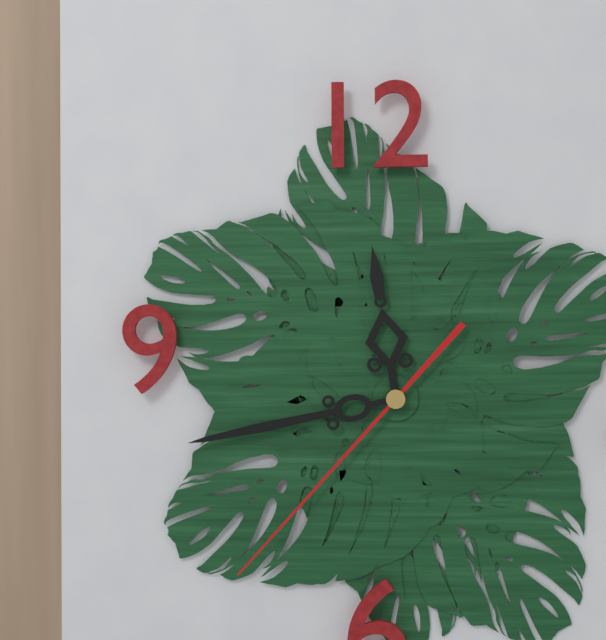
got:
**11:43:37**
